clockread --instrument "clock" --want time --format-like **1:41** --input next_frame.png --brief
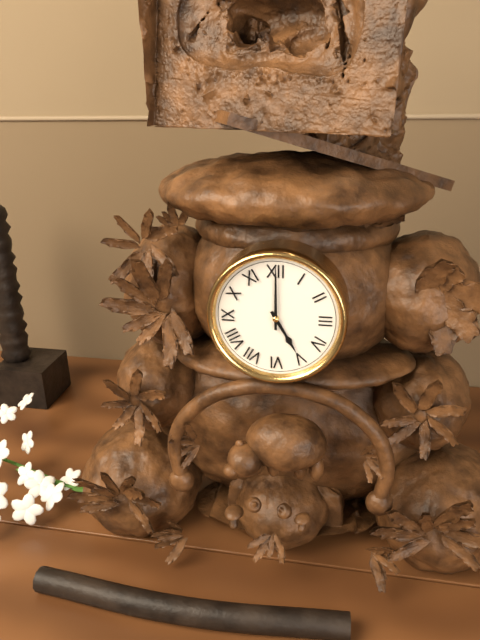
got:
**5:00**
